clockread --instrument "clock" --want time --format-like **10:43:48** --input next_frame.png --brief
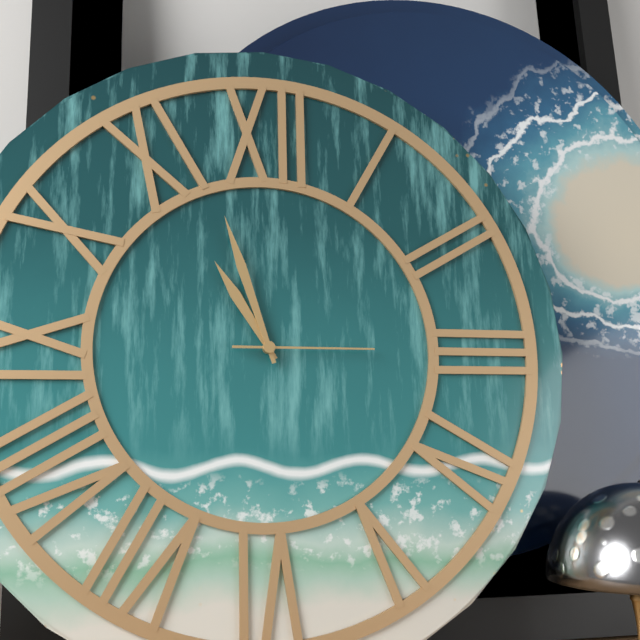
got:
**10:57:15**
